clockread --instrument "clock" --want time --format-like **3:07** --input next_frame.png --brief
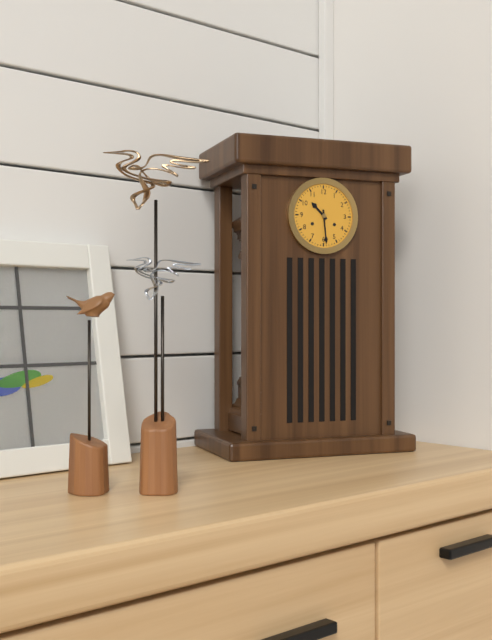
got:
**10:29**
